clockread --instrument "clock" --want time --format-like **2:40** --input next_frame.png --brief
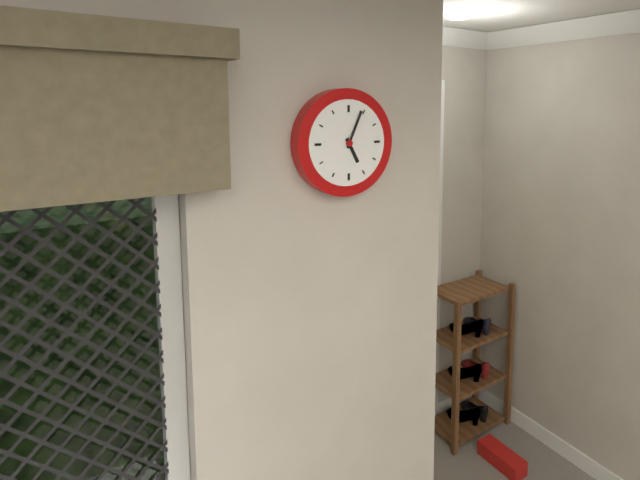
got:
**5:04**
